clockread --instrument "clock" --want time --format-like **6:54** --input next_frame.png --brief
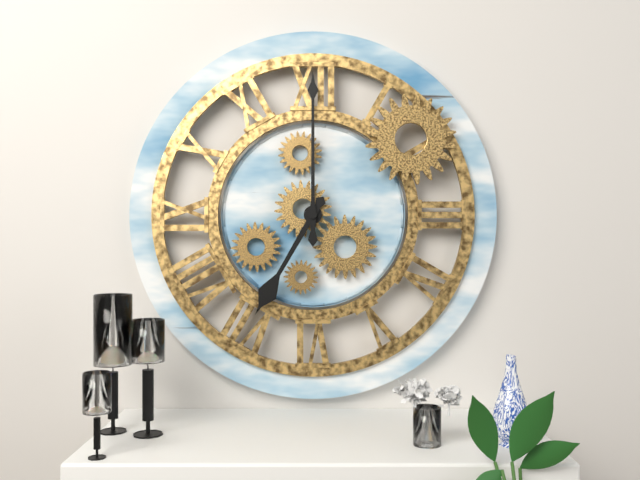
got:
**7:00**
